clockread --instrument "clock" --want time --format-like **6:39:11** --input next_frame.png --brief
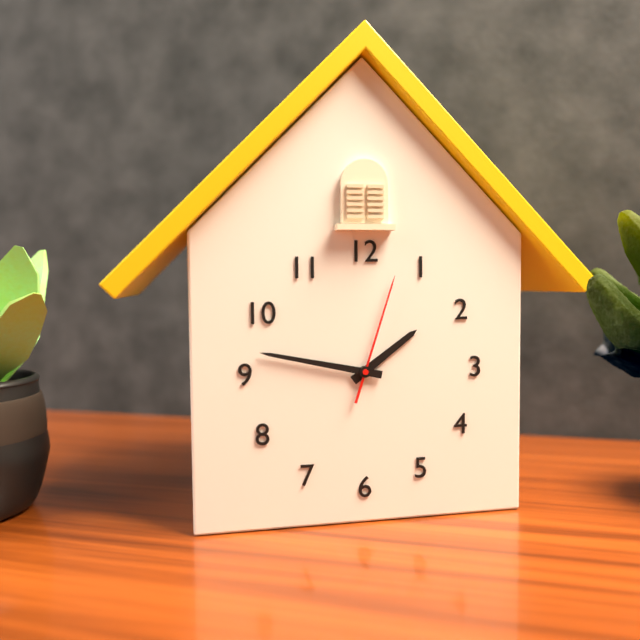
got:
**1:47:03**
